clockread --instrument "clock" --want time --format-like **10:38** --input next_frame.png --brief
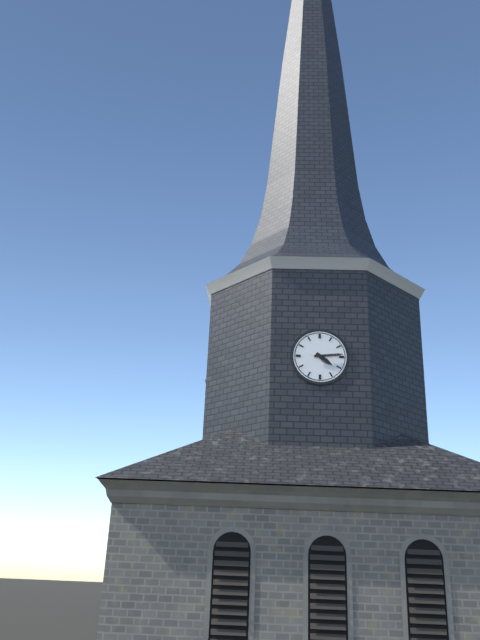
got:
**4:14**
